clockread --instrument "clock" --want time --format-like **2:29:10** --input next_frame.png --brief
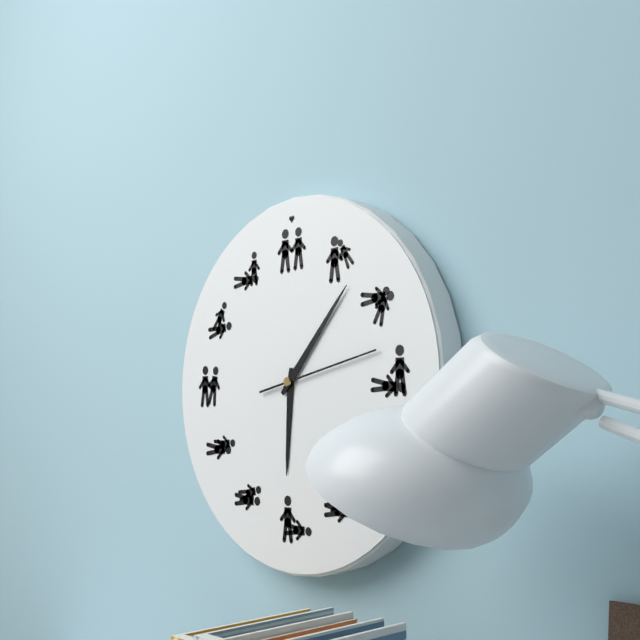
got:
**6:07:13**
